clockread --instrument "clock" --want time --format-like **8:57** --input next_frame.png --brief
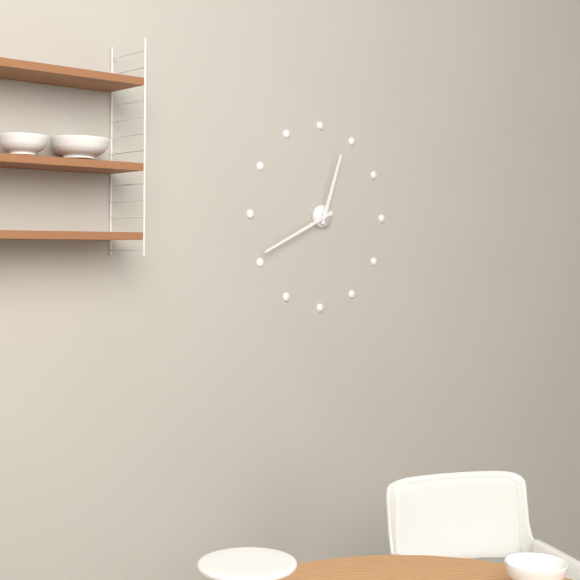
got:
**12:41**
